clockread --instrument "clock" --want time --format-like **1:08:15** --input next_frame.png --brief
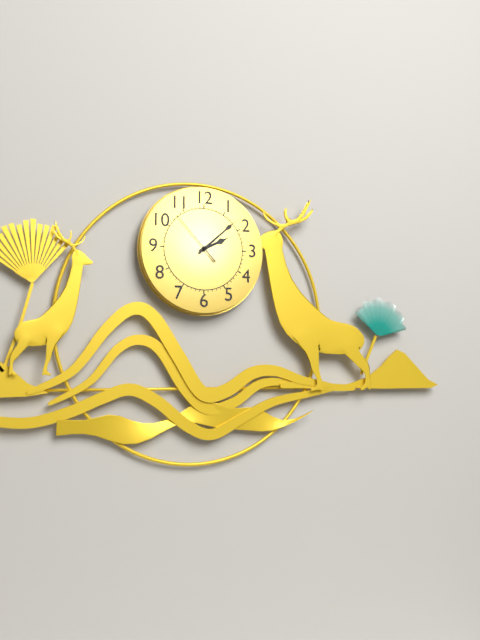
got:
**2:08:53**
